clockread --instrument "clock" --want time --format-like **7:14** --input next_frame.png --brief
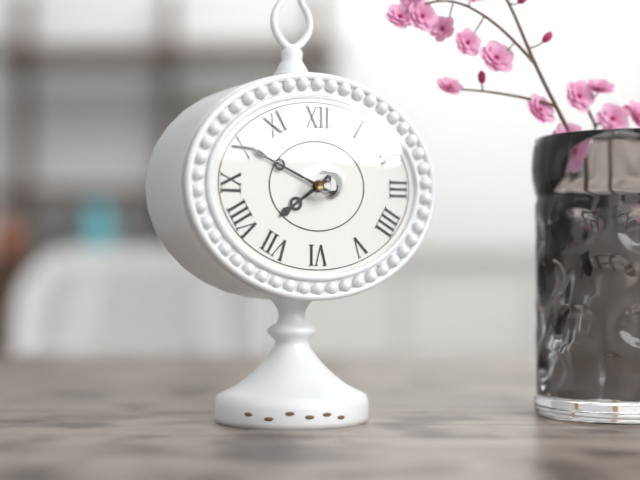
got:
**7:49**
